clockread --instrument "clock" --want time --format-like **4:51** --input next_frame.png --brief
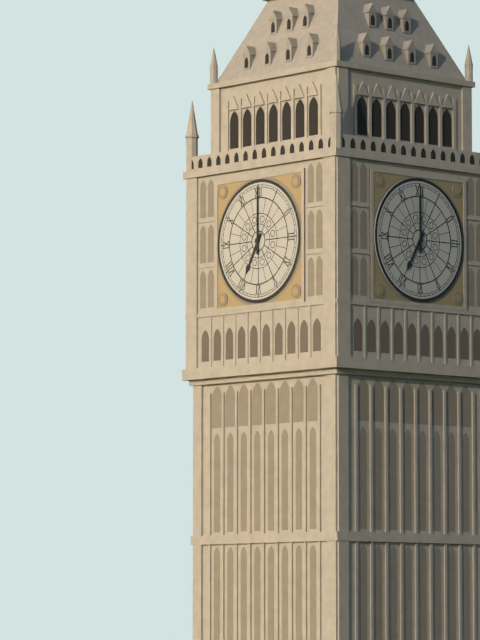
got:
**7:00**
